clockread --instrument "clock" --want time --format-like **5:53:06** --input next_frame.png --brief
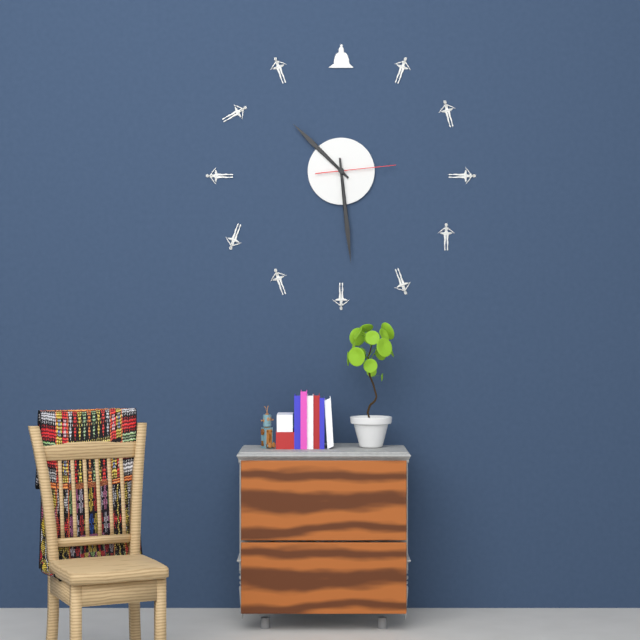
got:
**10:29:14**
